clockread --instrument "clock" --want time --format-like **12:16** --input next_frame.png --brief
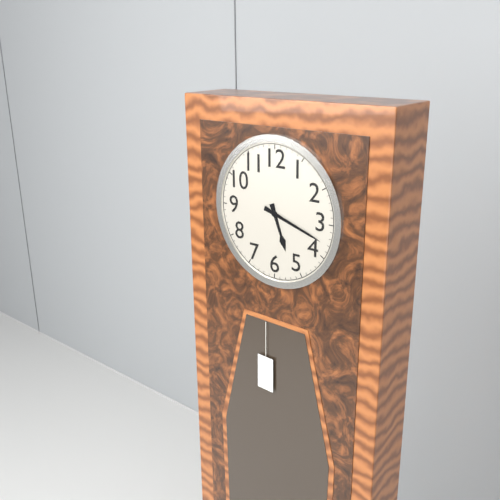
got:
**5:18**
